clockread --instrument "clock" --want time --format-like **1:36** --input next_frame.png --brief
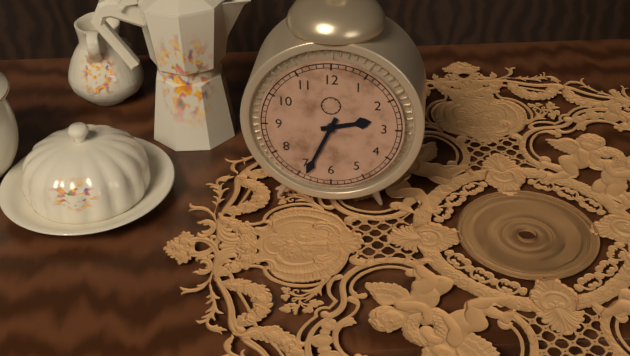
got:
**2:34**
